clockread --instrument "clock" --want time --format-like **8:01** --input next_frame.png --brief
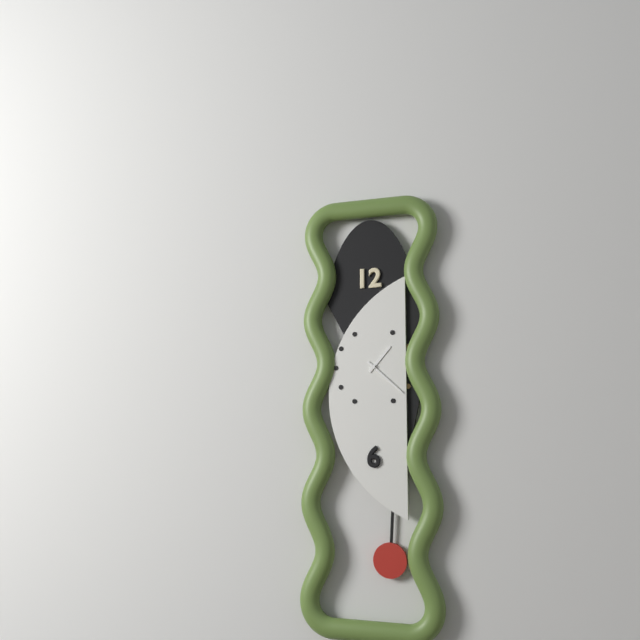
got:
**1:22**
